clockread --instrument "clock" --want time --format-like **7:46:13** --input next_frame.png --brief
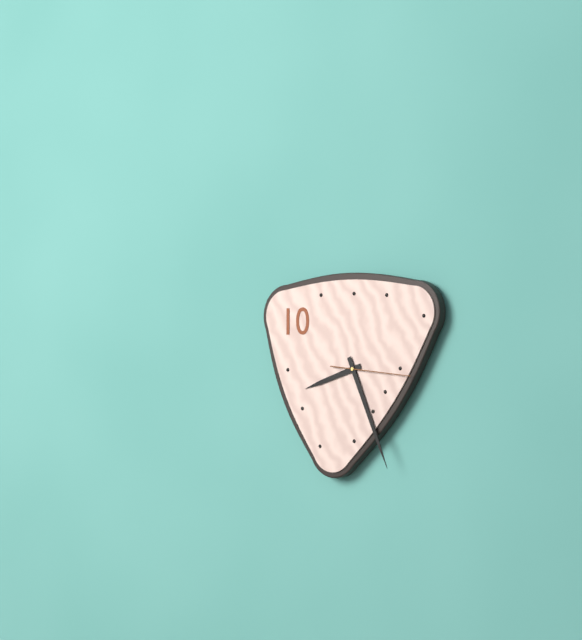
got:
**8:26:16**
